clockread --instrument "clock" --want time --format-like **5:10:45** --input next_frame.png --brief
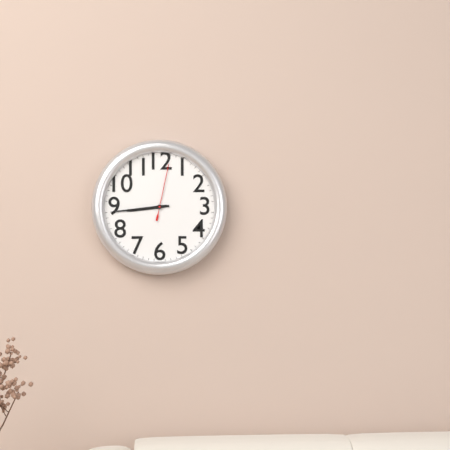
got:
**8:44:02**
